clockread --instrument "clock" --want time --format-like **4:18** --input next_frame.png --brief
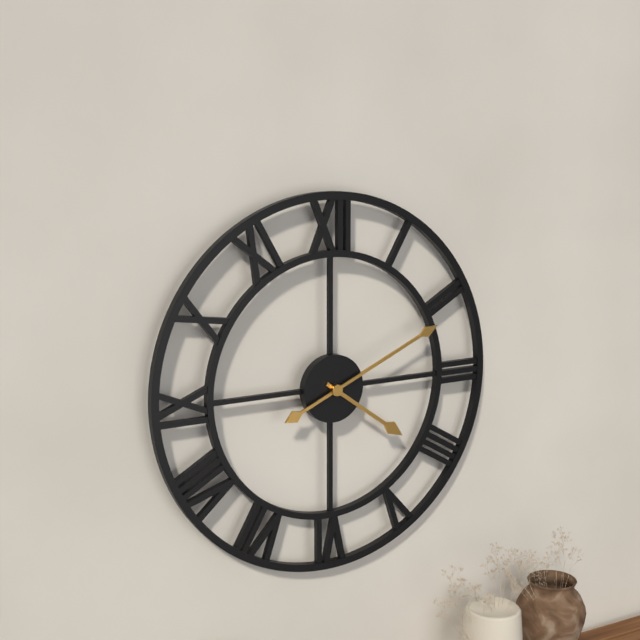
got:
**4:11**
